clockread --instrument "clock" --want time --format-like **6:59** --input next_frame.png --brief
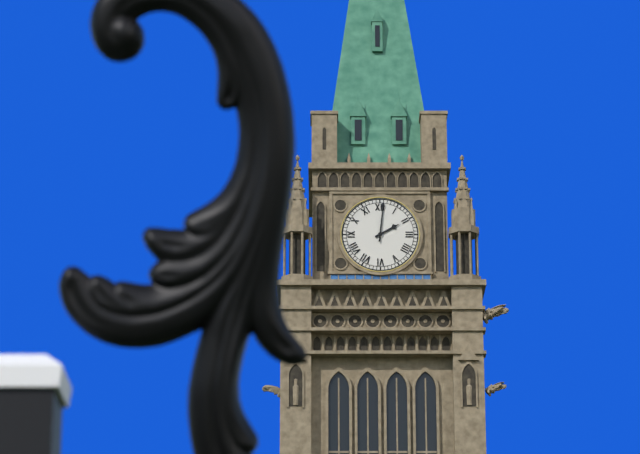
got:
**2:01**
